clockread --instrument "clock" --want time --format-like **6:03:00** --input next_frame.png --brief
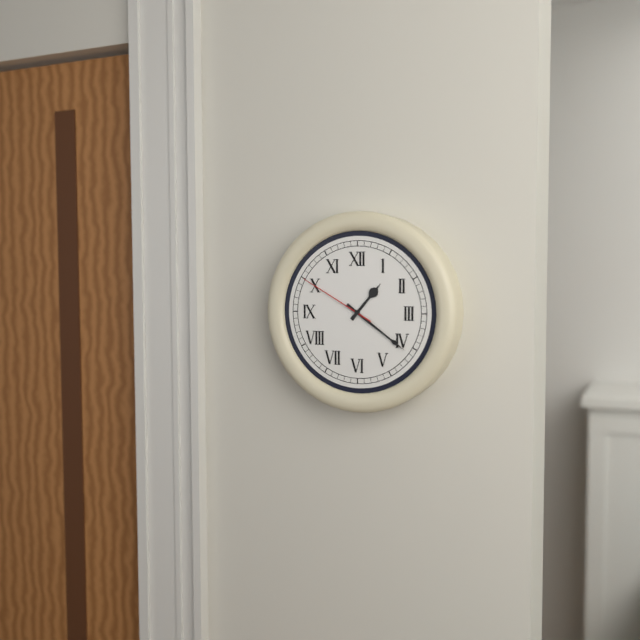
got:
**1:21:50**
